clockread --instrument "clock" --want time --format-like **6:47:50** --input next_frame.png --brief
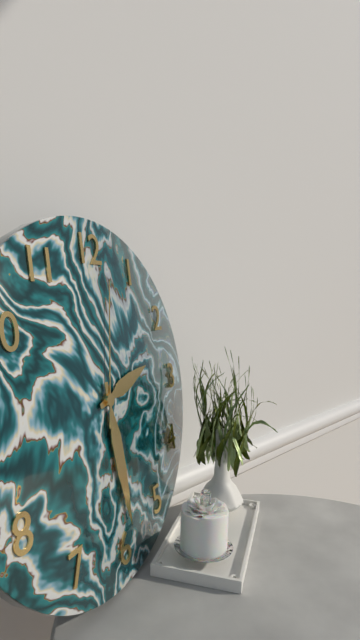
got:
**2:29:02**
